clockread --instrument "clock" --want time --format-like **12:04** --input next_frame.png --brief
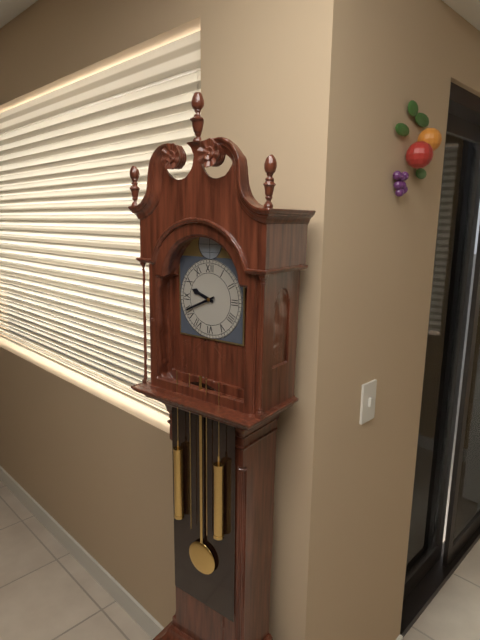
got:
**9:41**
